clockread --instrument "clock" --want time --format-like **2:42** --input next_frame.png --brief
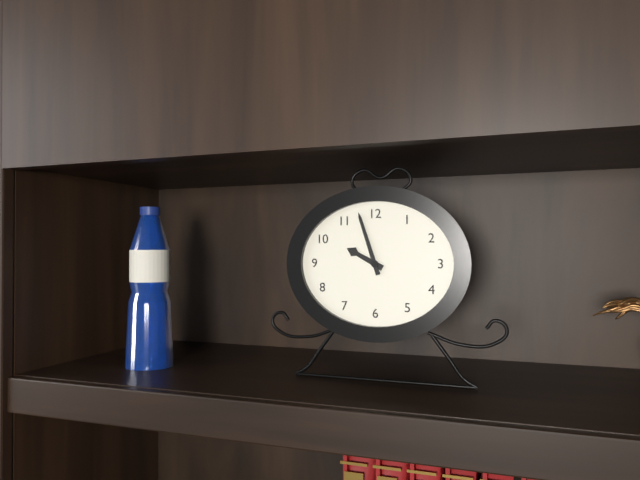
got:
**9:57**
